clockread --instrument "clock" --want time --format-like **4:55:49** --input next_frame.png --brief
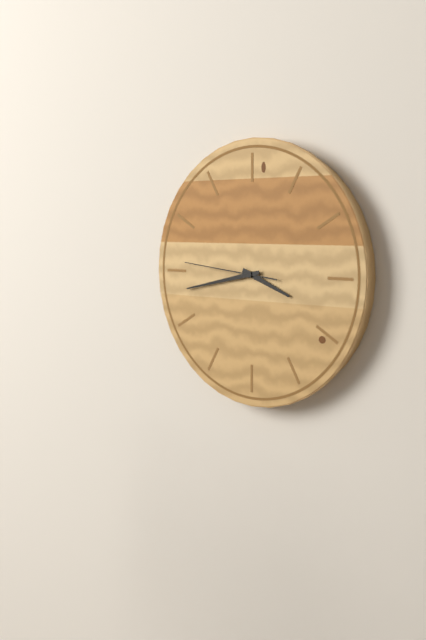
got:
**3:43:46**
